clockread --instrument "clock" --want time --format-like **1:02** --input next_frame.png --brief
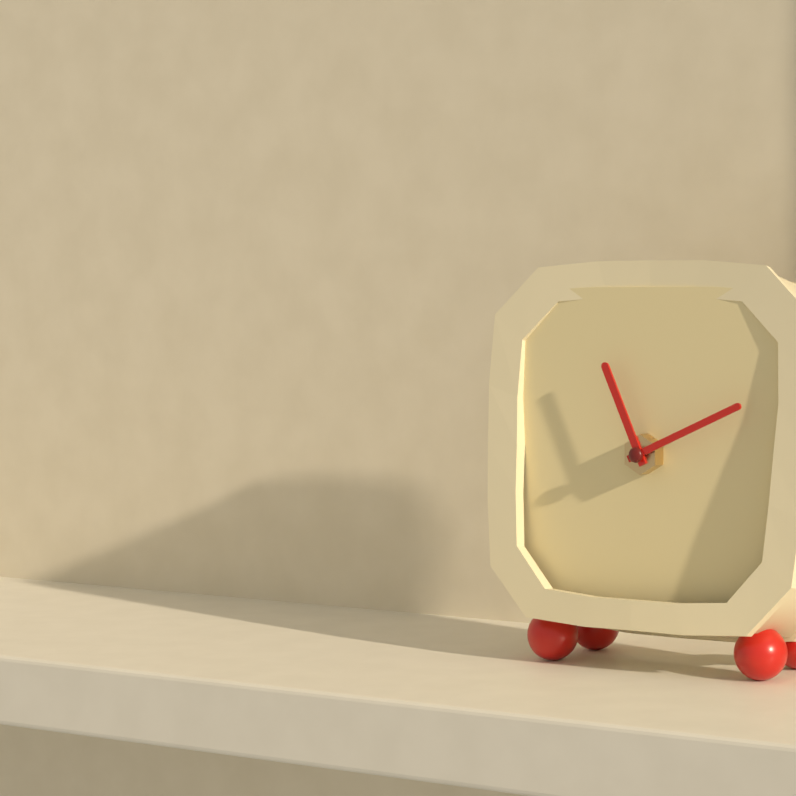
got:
**11:11**
